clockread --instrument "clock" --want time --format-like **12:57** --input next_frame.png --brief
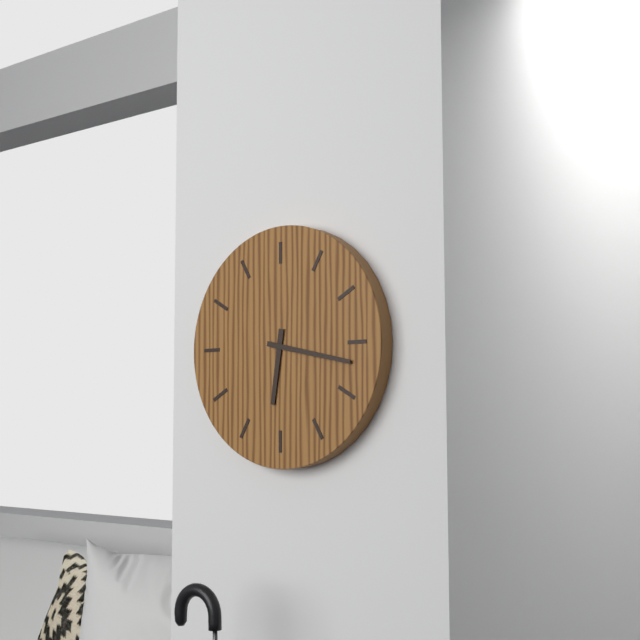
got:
**6:17**
